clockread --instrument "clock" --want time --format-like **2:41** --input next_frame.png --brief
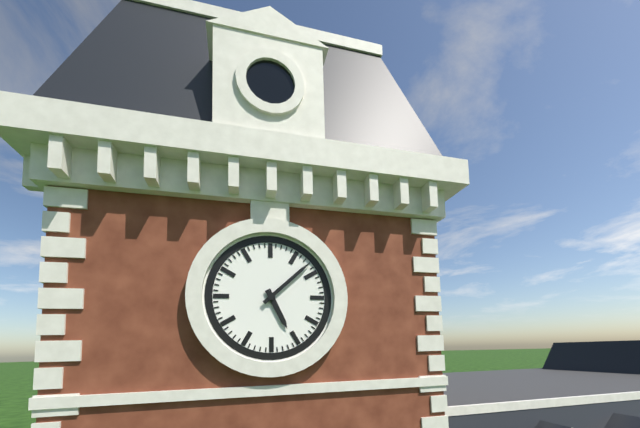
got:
**5:08**
